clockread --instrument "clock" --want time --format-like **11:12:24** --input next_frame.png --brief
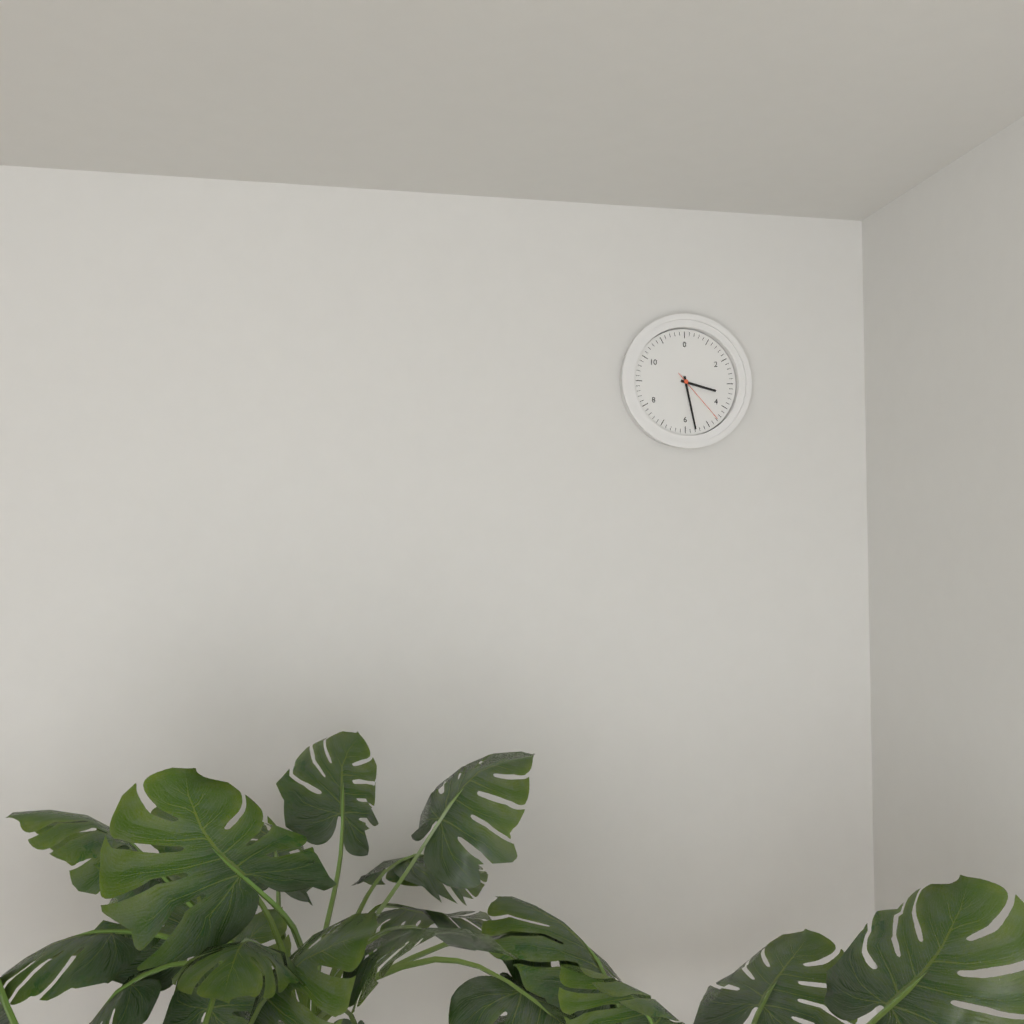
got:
**3:28:23**
